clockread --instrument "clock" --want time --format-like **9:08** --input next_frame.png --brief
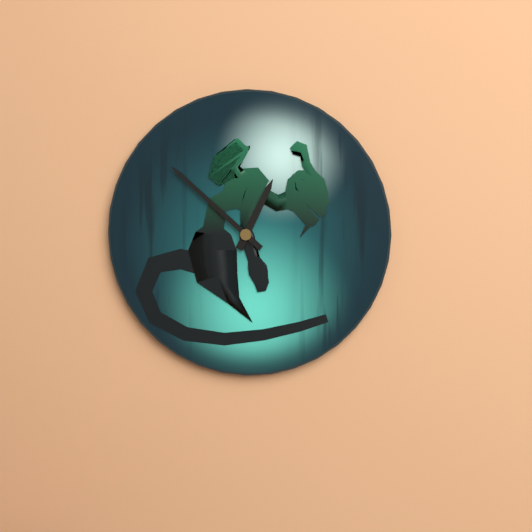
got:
**12:52**
